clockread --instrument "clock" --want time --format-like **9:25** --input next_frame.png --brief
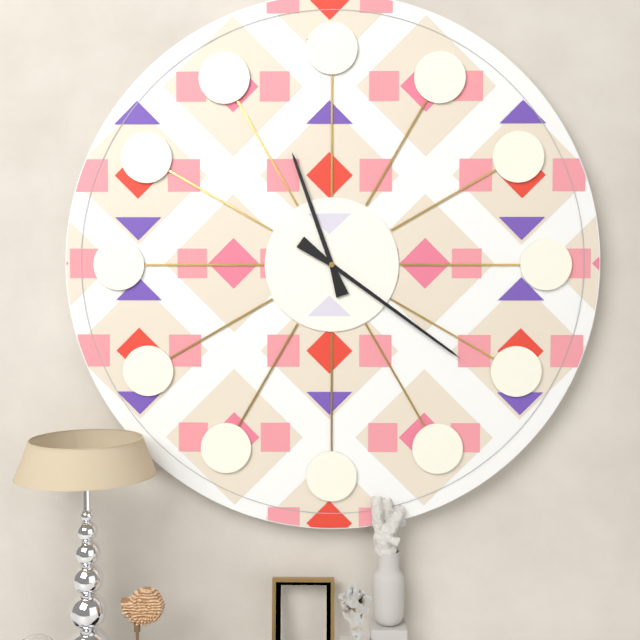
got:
**11:21**
